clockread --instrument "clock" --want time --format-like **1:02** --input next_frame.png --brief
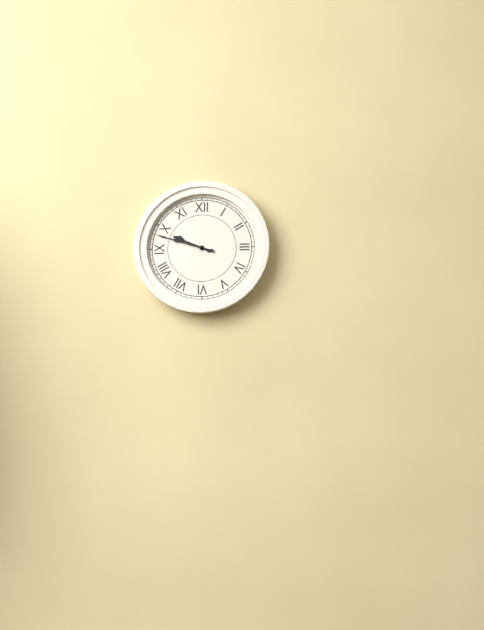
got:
**9:48**
